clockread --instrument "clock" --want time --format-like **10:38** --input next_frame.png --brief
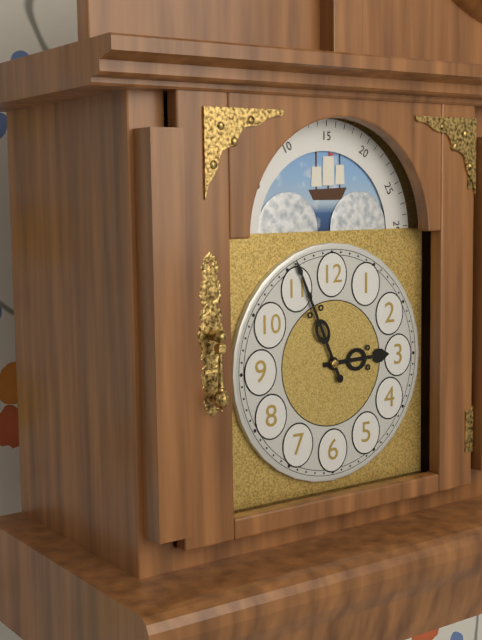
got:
**2:56**
